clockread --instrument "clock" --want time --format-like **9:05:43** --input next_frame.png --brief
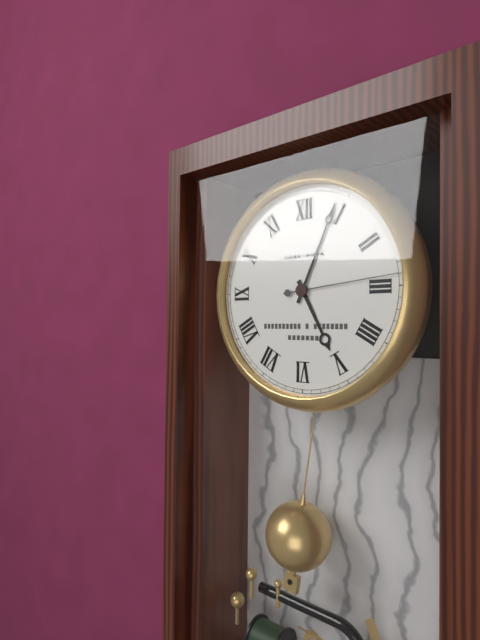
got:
**5:04:14**
